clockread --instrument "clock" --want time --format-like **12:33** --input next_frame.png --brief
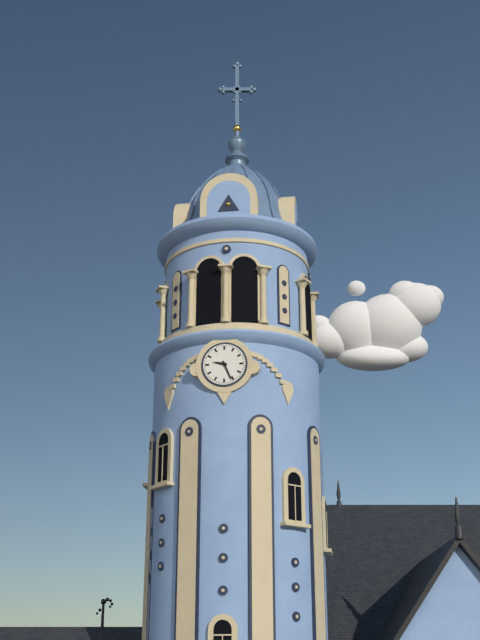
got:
**9:26**
